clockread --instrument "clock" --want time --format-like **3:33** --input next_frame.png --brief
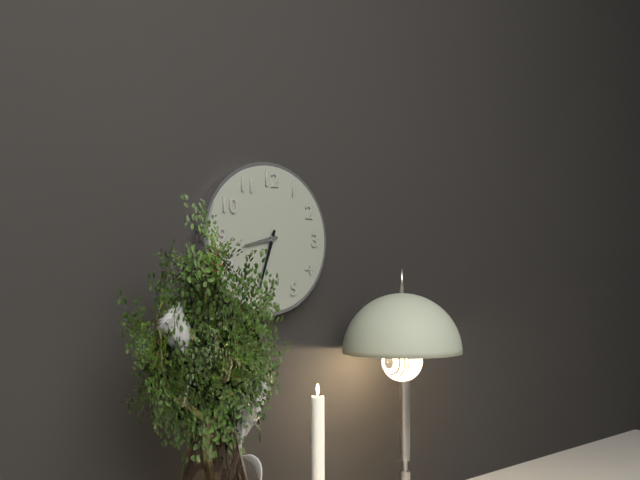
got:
**8:33**
